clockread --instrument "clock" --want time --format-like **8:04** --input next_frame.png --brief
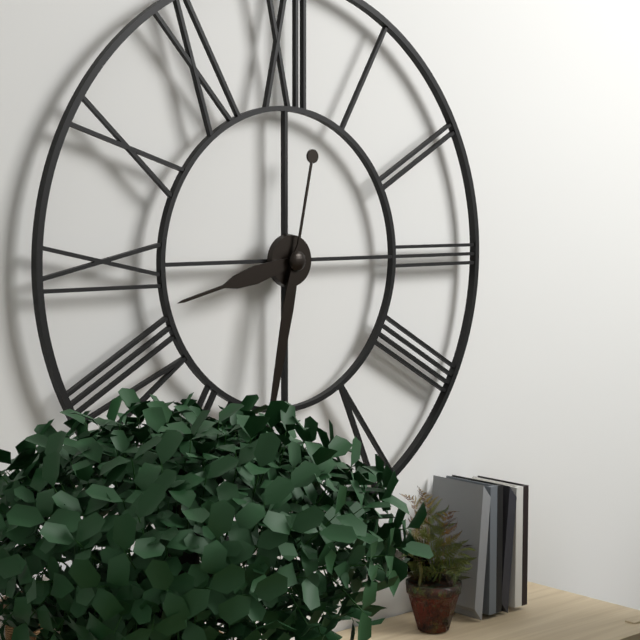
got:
**8:32**
